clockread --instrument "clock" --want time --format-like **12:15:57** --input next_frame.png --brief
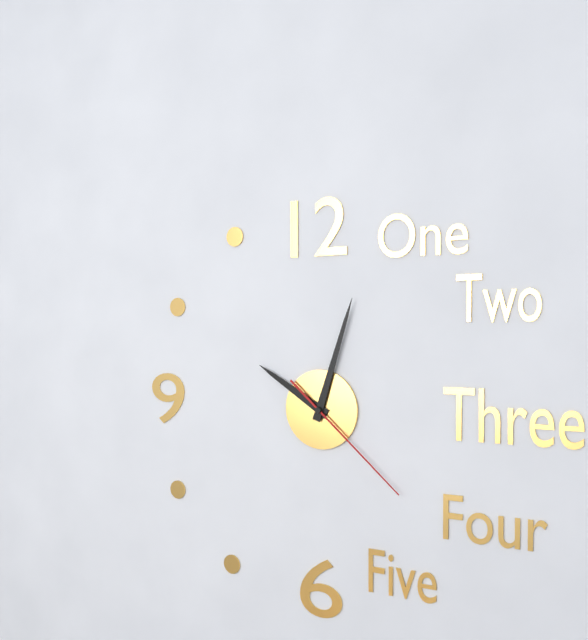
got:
**10:03:22**
